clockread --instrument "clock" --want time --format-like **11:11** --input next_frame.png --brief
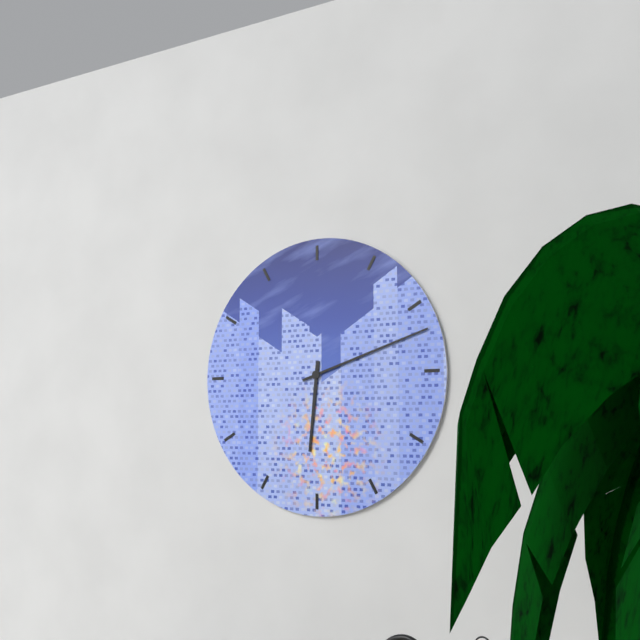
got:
**6:12**
